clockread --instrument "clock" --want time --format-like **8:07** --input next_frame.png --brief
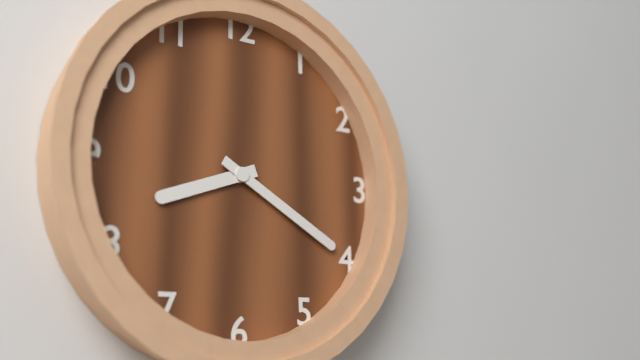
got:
**8:20**
